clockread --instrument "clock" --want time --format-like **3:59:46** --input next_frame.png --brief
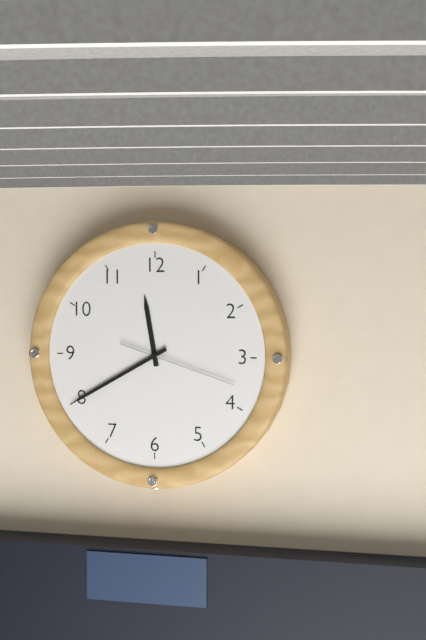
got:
**11:40:18**
